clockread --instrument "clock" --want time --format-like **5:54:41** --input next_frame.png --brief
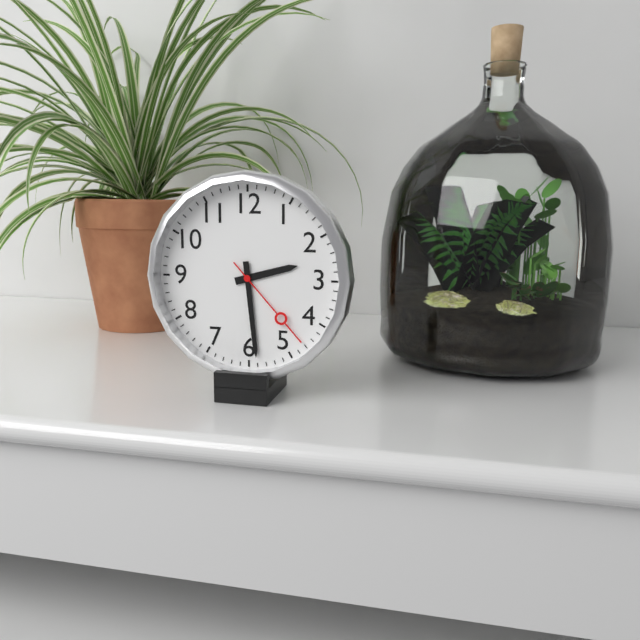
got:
**2:29:23**
